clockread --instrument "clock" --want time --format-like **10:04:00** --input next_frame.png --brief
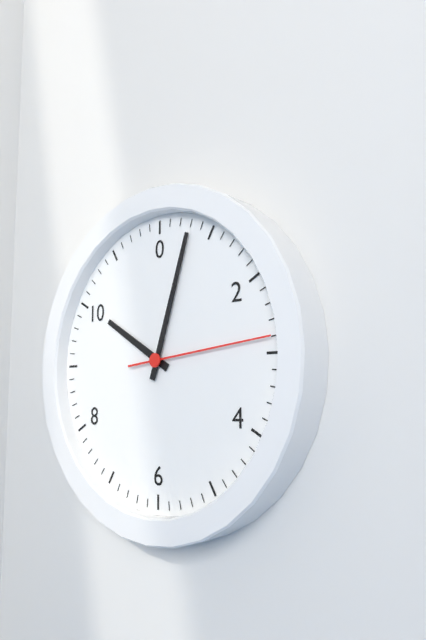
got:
**10:03:14**
